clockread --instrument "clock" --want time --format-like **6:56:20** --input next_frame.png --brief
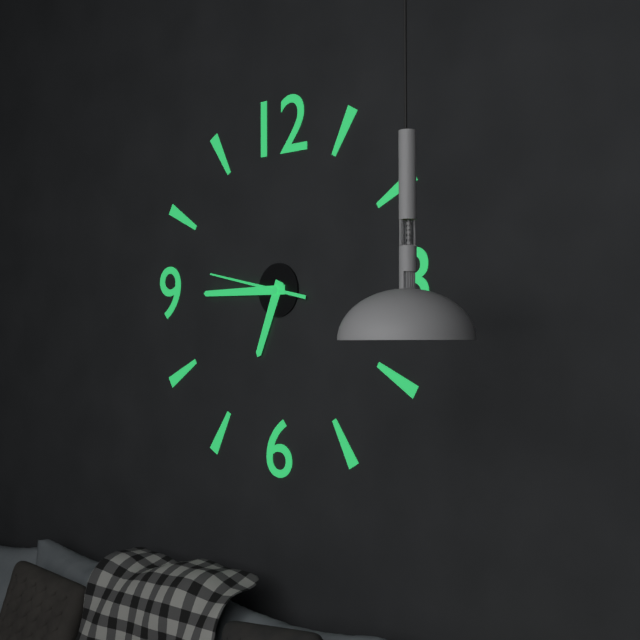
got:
**6:45:47**
